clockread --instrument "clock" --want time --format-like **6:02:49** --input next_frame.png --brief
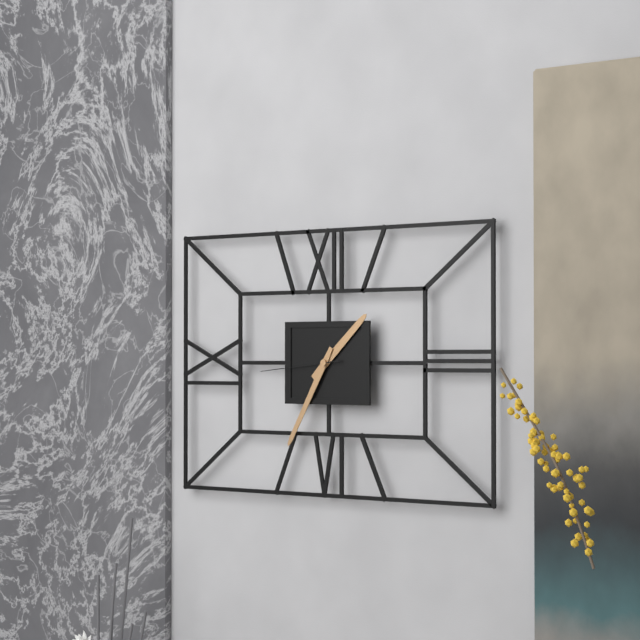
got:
**1:35:44**
